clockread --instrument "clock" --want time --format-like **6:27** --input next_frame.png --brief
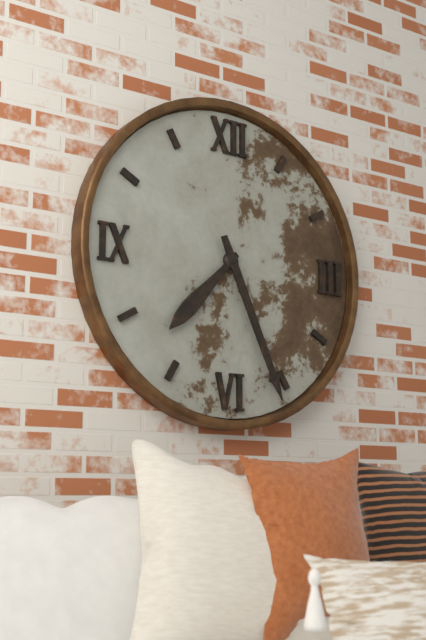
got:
**7:26**
